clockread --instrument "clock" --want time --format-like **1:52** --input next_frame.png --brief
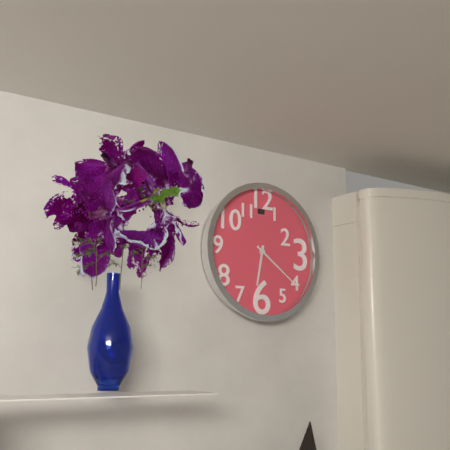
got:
**6:21**
